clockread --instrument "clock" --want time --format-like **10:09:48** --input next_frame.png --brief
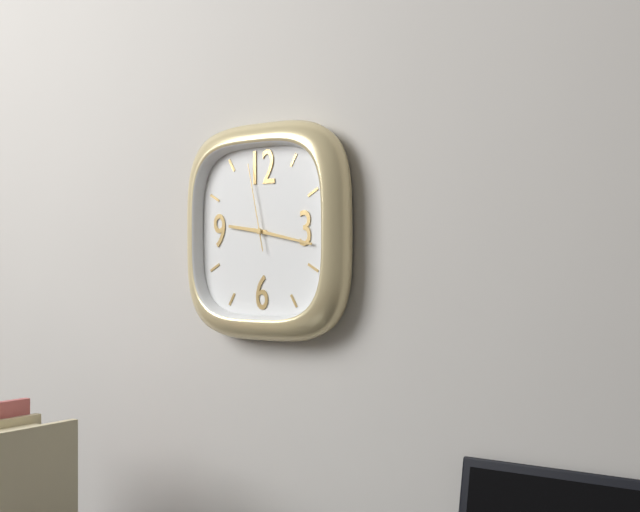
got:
**9:17:58**
